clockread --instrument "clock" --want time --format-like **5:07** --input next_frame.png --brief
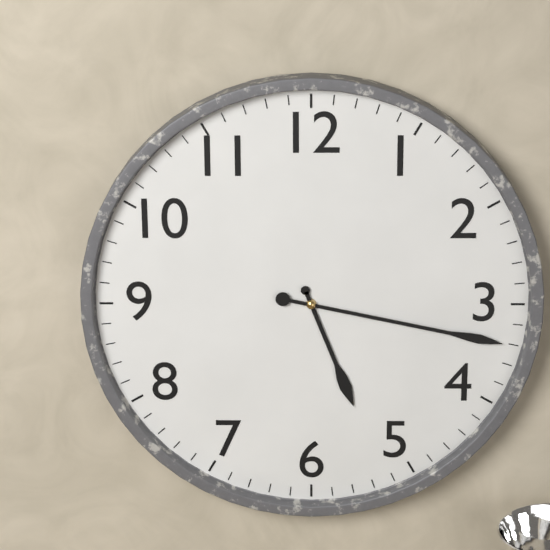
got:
**5:17**
